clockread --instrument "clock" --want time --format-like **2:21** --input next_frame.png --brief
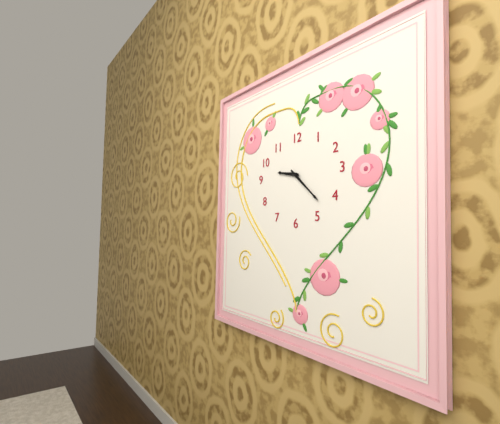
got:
**9:22**
